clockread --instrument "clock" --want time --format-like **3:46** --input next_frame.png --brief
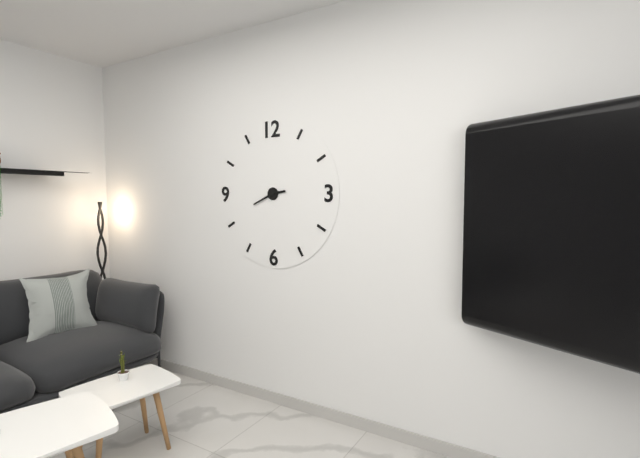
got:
**2:41**
